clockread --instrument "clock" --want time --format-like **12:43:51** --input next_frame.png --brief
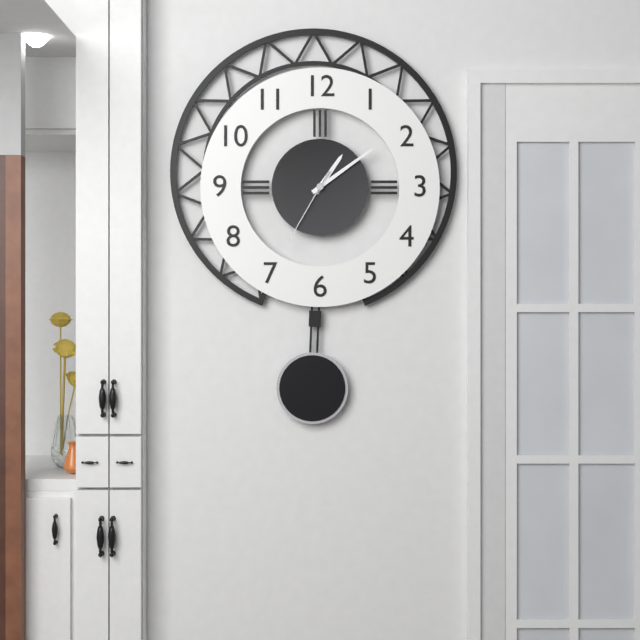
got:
**1:09:35**
